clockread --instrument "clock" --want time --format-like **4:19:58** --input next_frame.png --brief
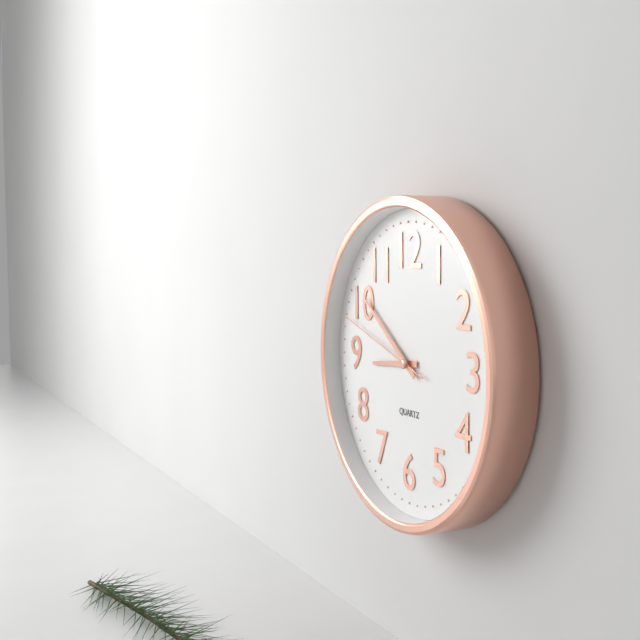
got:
**8:51:48**
